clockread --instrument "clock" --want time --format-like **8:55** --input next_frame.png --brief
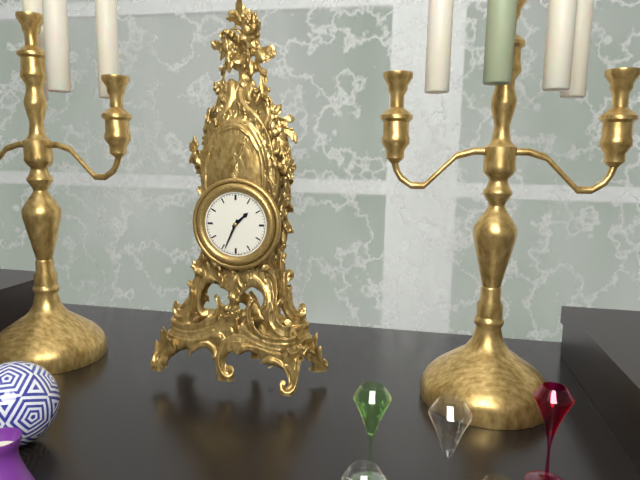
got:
**1:34**
